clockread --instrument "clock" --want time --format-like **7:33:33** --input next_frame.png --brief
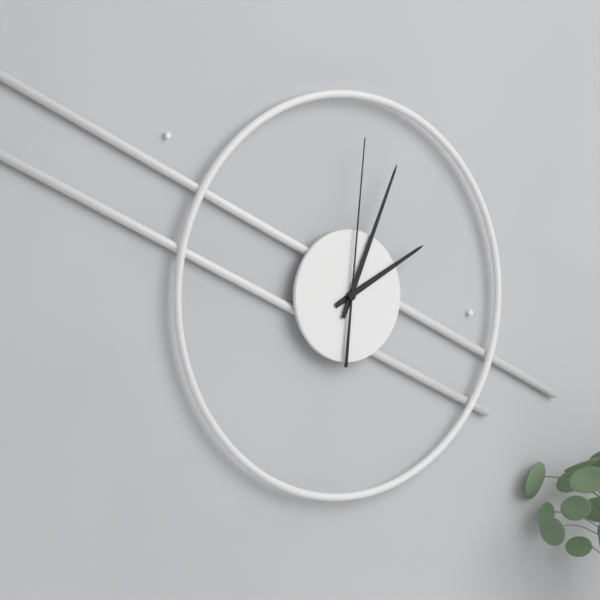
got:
**2:04:01**
